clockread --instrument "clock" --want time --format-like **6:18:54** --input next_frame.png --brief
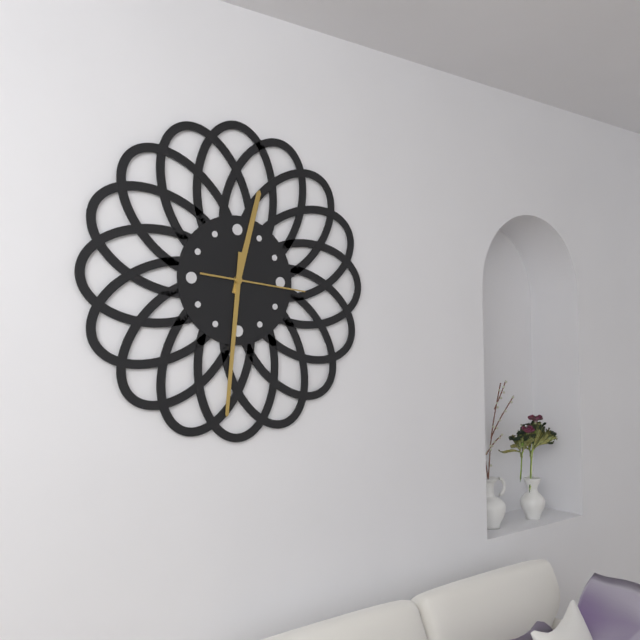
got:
**12:31:16**
